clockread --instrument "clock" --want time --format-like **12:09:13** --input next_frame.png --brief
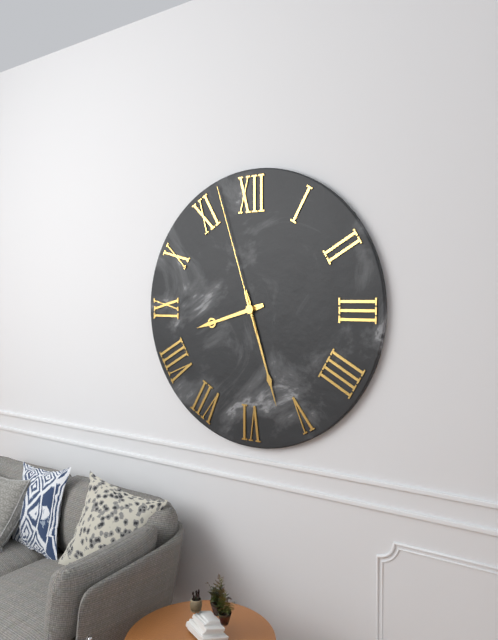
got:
**8:27:57**
